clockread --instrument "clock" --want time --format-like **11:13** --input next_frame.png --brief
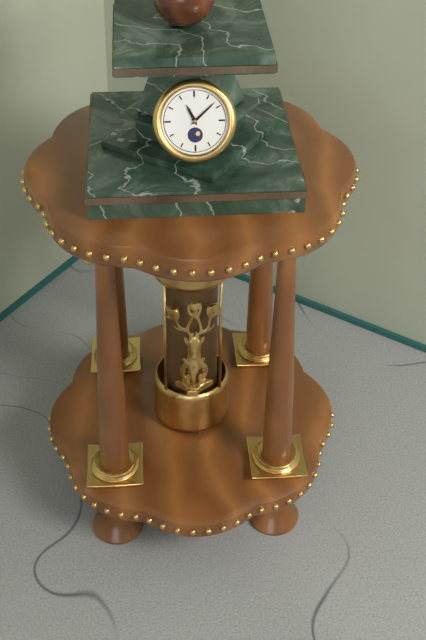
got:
**11:08**
